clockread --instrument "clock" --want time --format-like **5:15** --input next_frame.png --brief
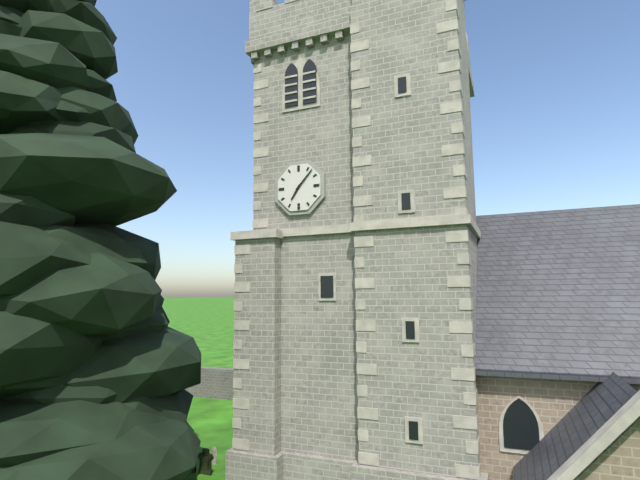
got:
**7:07**
